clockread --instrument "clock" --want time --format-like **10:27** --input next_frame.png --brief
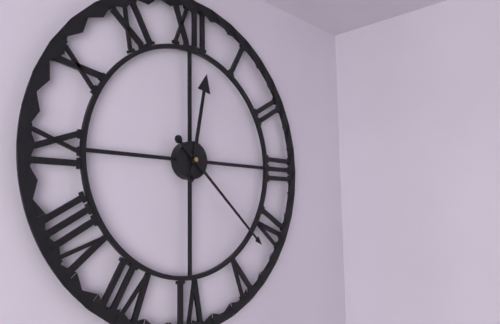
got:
**12:22**
